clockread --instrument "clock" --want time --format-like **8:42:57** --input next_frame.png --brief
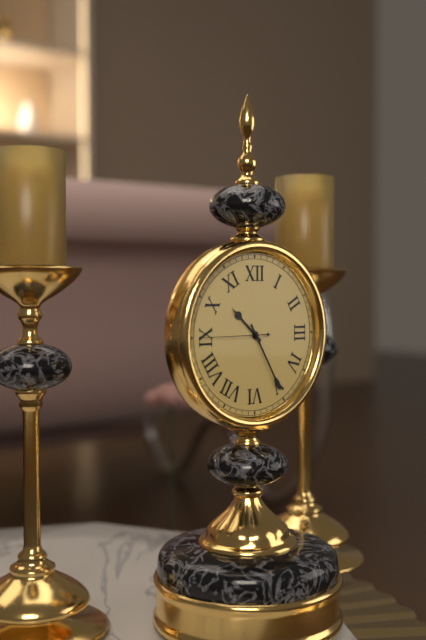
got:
**10:25:45**
